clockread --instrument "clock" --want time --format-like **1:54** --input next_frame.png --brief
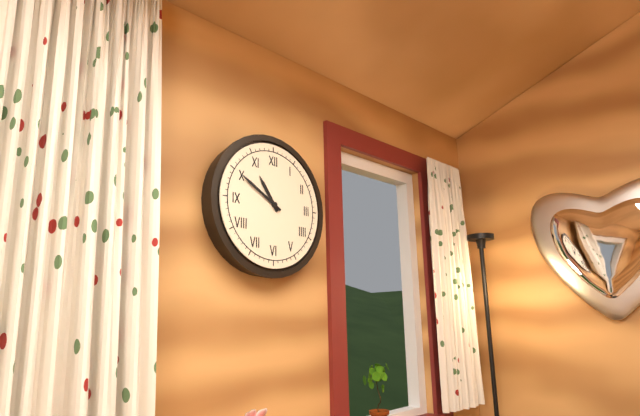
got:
**10:50**
